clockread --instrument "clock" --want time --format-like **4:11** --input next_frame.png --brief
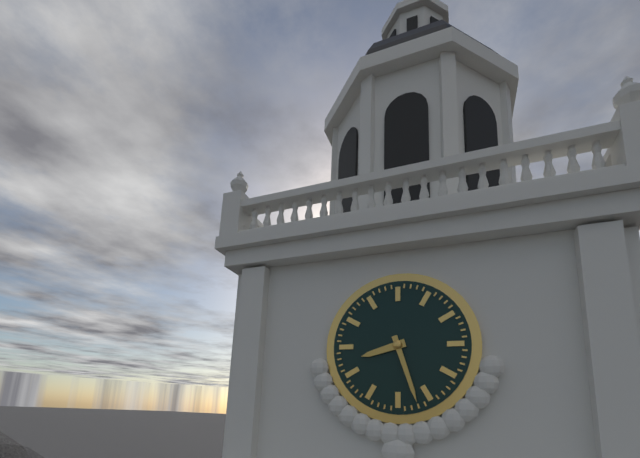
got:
**8:27**
